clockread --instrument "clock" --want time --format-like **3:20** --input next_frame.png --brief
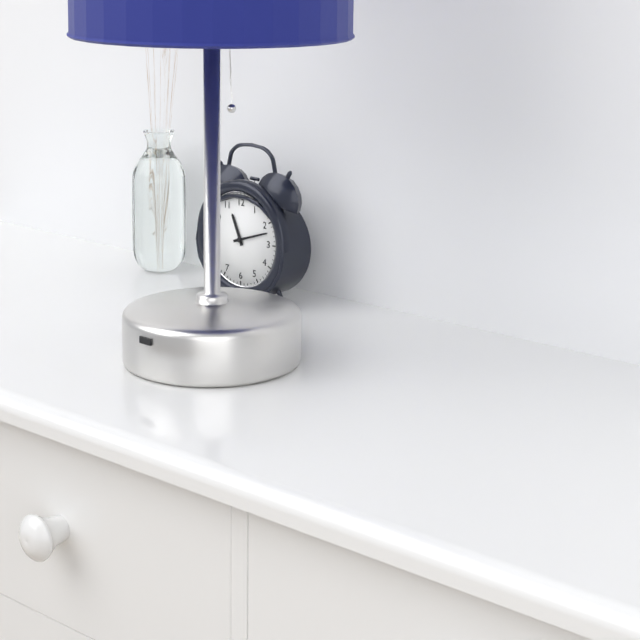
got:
**11:12**
